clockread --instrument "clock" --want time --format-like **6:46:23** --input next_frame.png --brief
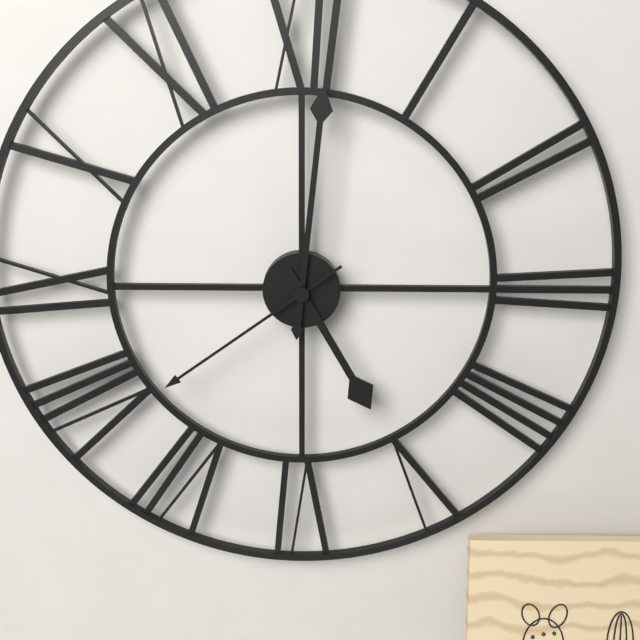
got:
**5:01:39**
